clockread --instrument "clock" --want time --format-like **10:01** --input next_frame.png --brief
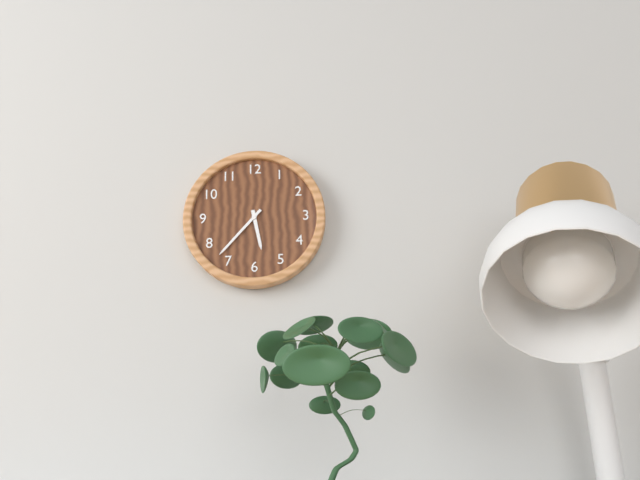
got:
**5:37**
